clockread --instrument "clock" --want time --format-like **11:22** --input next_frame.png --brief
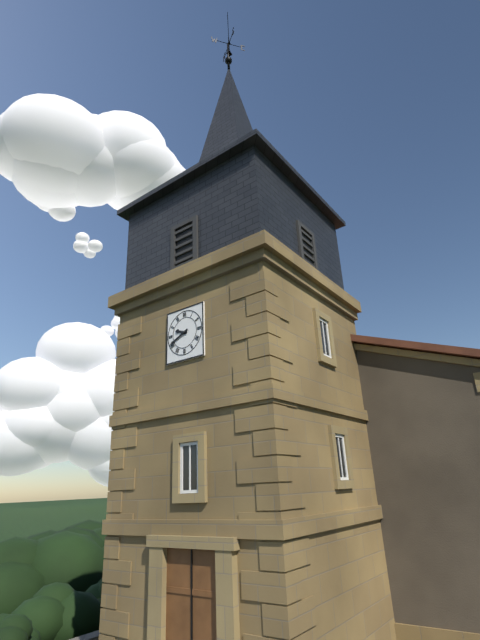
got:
**9:41**
